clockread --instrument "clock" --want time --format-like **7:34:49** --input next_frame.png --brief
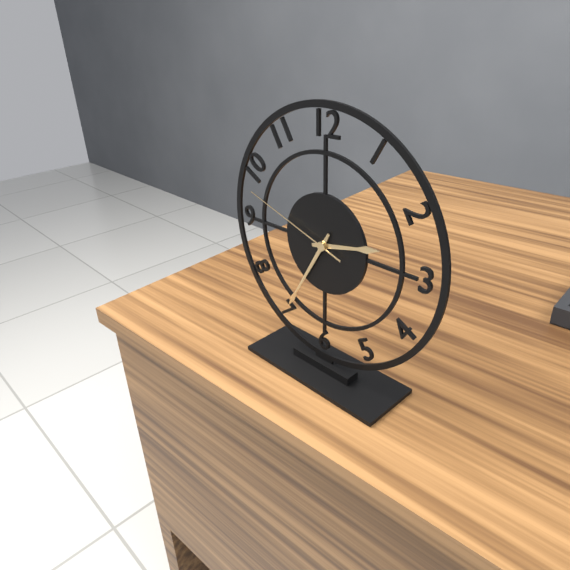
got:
**2:35:48**
